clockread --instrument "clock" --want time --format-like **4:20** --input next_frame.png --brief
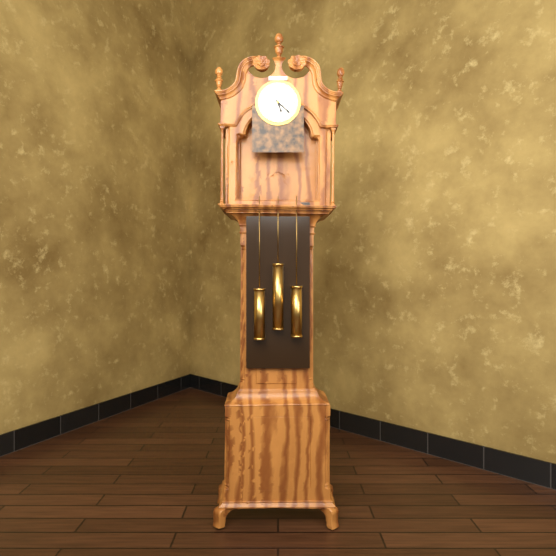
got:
**5:22**
